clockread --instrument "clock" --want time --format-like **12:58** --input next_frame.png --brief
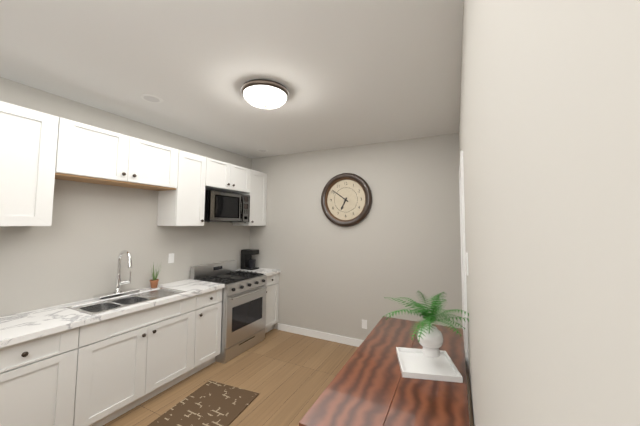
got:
**6:51**
